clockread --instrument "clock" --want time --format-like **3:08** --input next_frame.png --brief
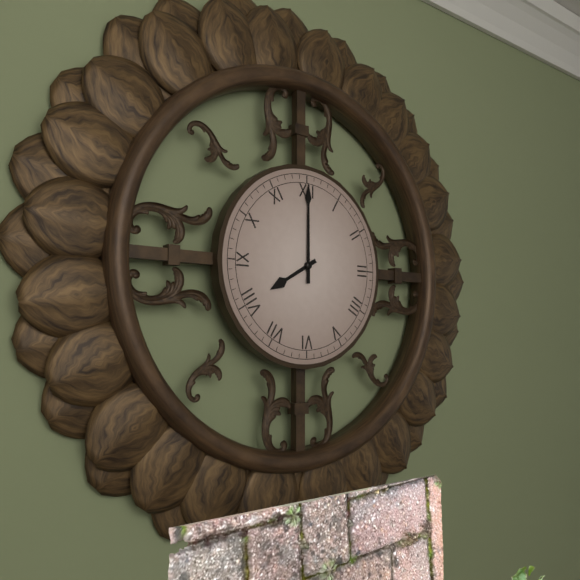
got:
**8:00**
